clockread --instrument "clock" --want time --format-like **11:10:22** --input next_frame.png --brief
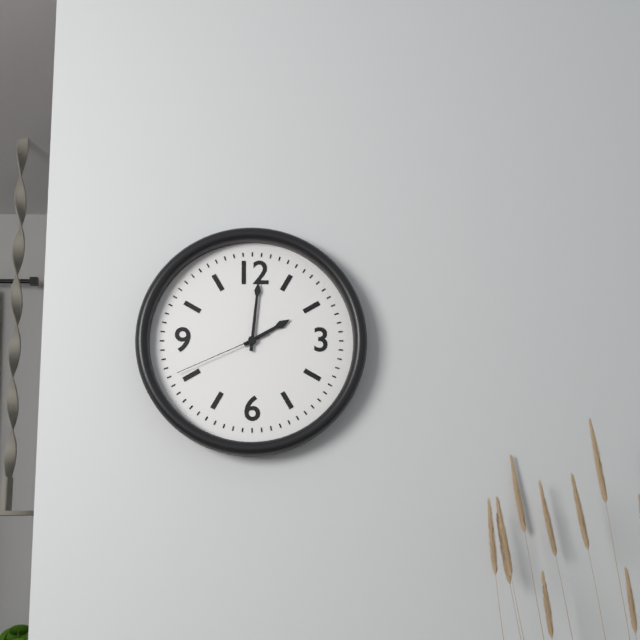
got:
**2:01:41**
